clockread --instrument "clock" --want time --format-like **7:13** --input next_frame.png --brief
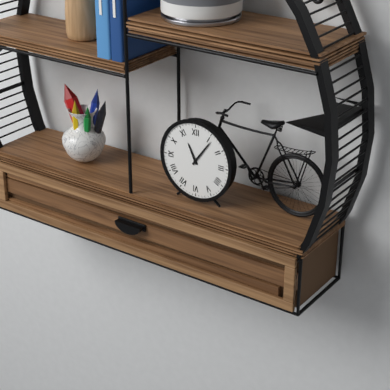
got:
**11:06**
